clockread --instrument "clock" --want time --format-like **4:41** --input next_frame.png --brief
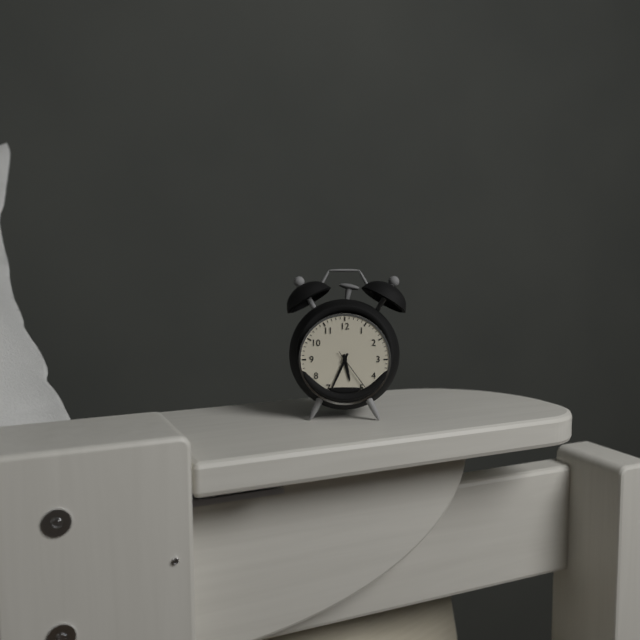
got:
**5:34**
